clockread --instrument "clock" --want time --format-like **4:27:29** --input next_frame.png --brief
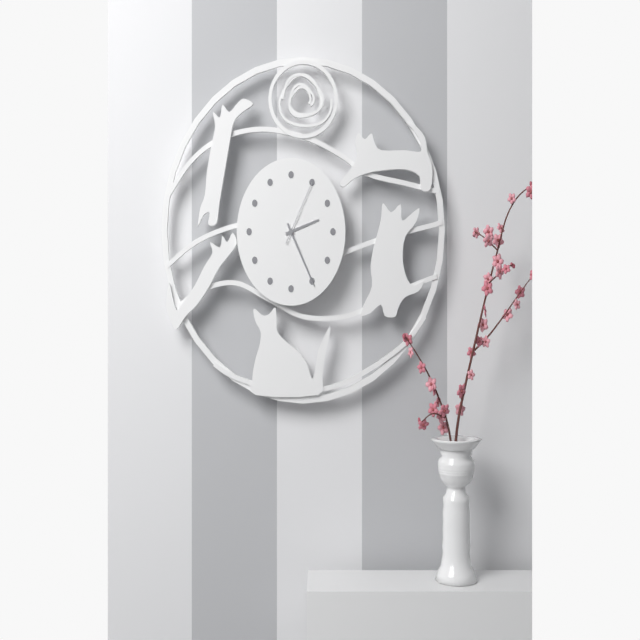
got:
**2:25:05**
